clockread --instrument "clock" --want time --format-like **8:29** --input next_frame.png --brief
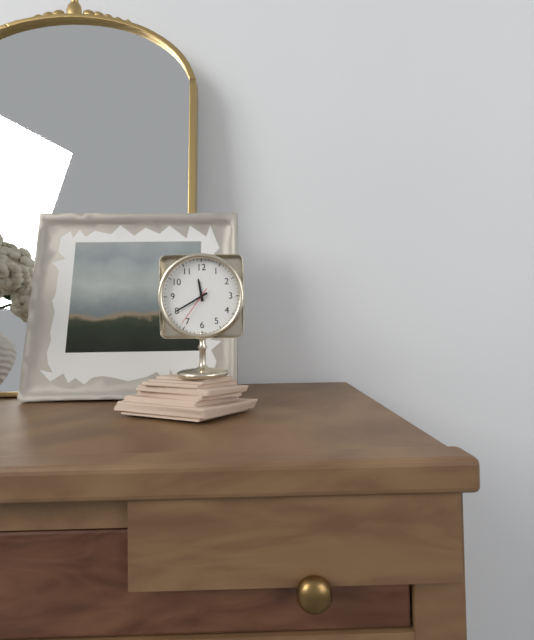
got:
**11:40**
